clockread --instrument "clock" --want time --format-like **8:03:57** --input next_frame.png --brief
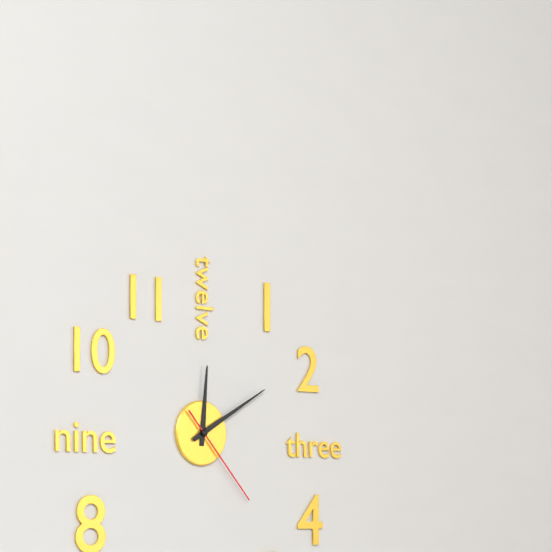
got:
**12:10:23**
